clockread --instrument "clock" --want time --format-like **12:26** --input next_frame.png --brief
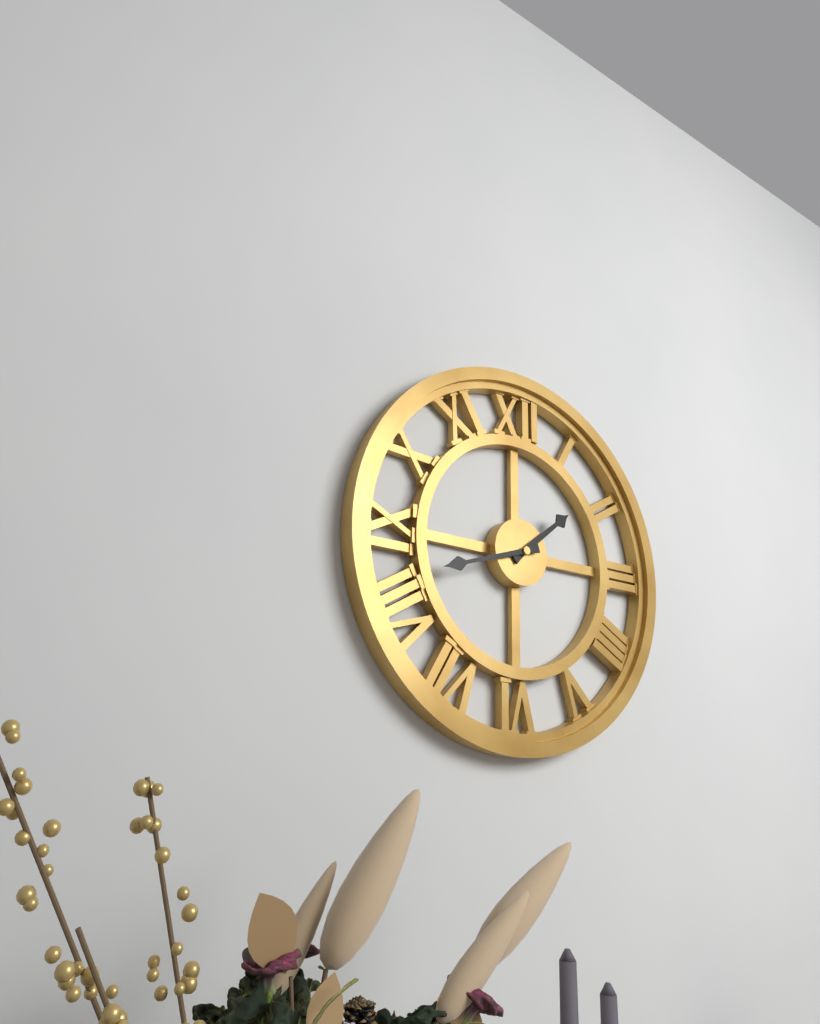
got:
**1:42**
